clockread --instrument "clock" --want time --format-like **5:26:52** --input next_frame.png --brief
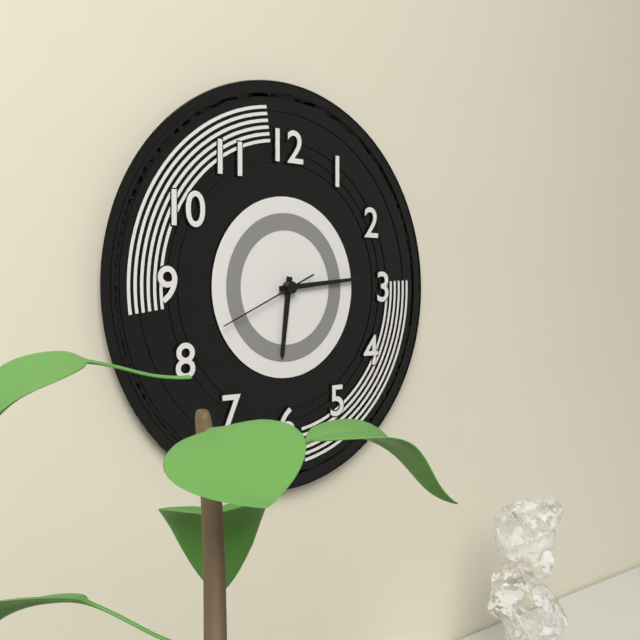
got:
**6:14:41**
